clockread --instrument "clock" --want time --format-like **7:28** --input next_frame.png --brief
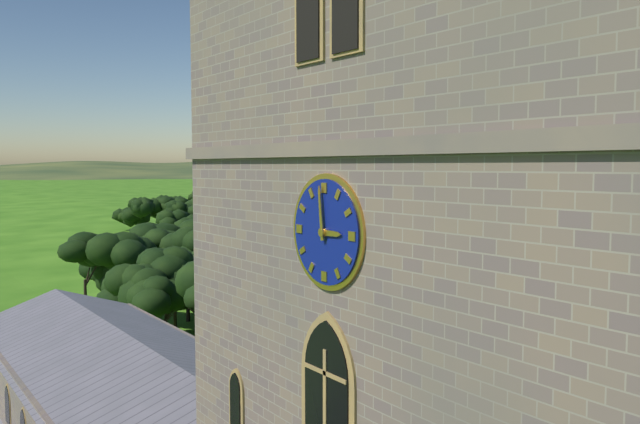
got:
**2:59**
